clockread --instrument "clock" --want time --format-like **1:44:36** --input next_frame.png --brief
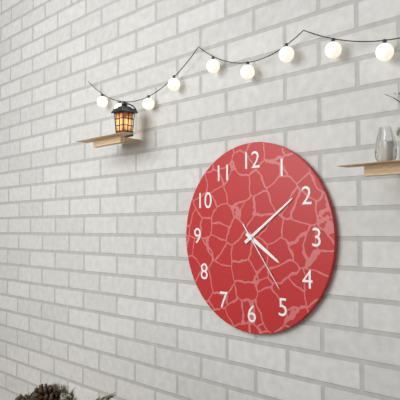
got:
**4:09:24**
